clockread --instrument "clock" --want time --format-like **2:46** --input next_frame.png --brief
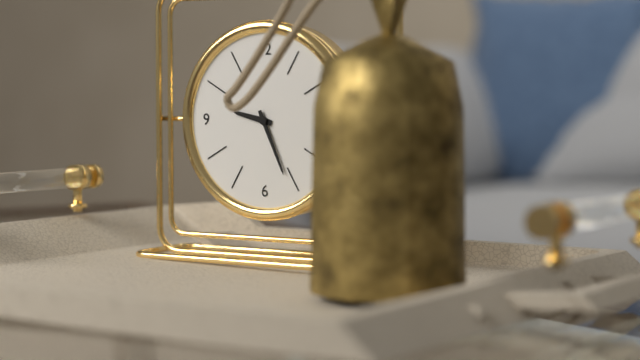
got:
**9:26**
